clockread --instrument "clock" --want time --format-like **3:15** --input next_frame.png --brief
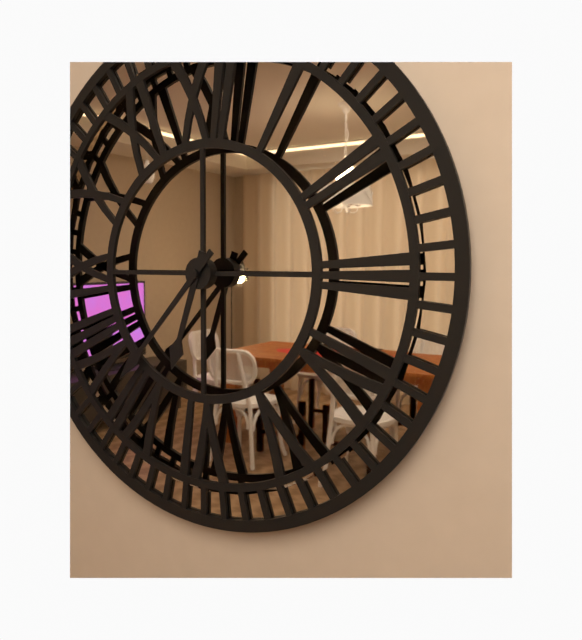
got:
**6:37**
